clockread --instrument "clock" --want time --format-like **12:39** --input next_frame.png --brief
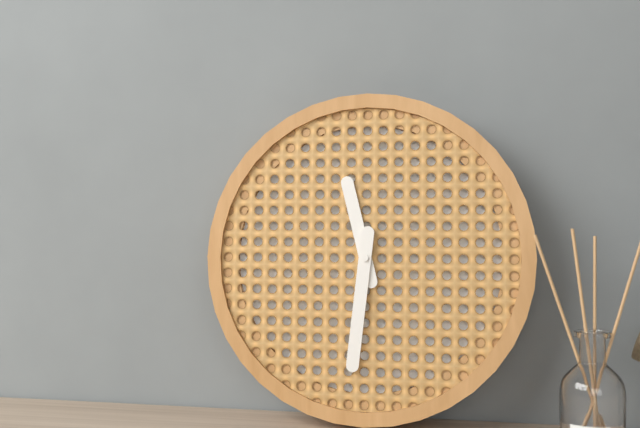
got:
**11:31**
